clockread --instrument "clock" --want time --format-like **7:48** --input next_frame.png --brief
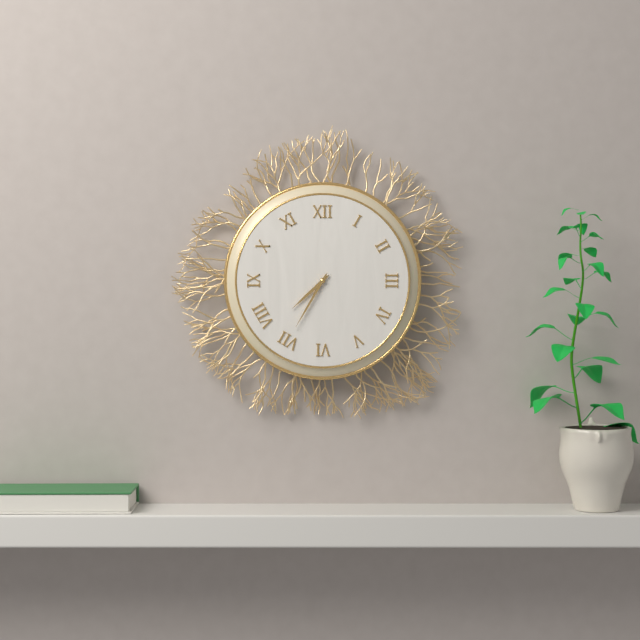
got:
**7:35**
